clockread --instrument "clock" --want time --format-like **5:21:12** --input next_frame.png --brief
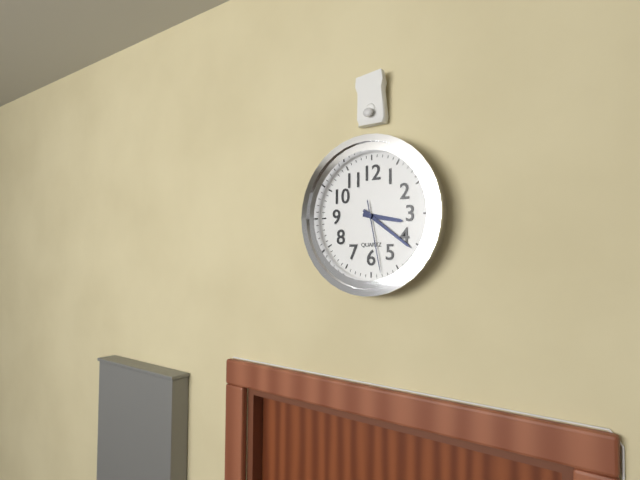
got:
**3:21:28**
